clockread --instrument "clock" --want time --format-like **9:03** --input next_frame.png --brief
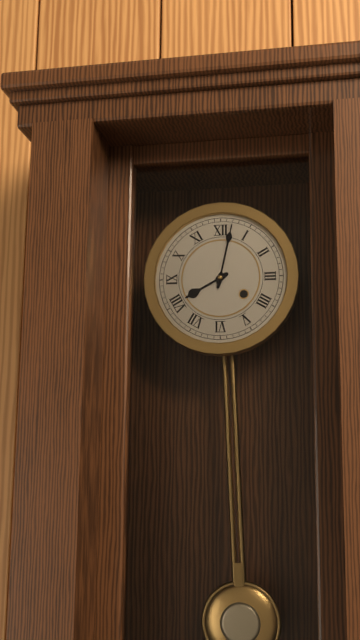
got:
**8:02**
